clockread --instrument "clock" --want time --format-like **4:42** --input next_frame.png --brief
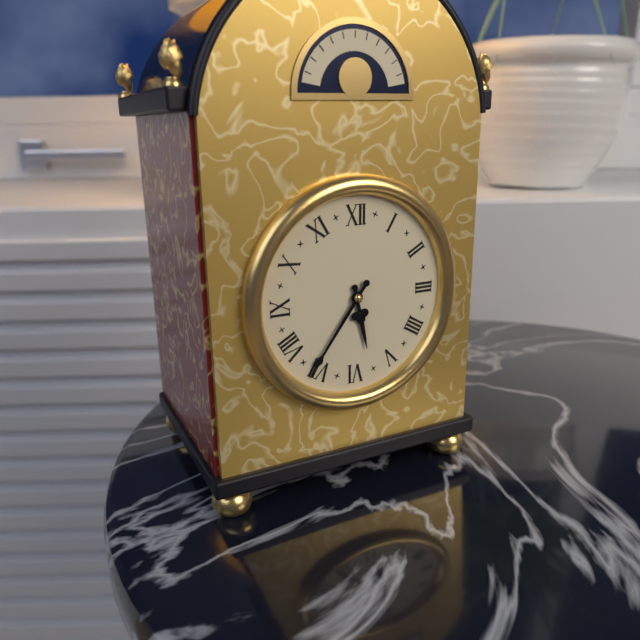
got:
**5:36**
